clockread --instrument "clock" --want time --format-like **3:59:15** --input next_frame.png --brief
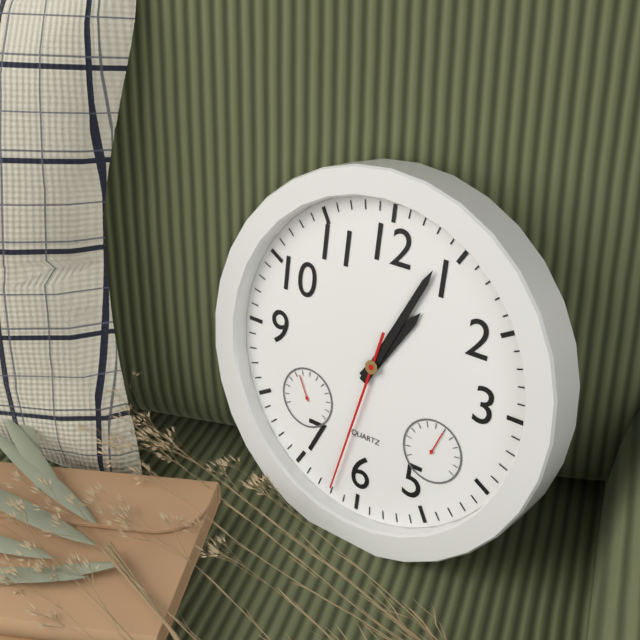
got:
**1:04:32**
